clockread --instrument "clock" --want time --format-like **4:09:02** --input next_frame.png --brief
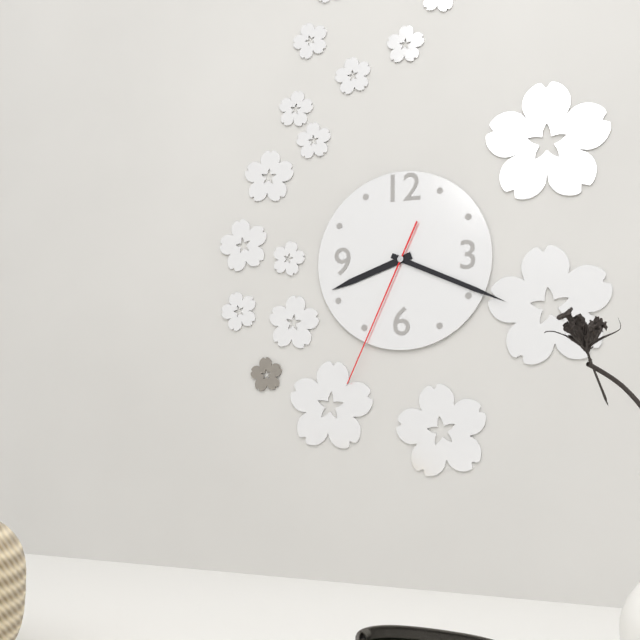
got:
**8:19:34**
